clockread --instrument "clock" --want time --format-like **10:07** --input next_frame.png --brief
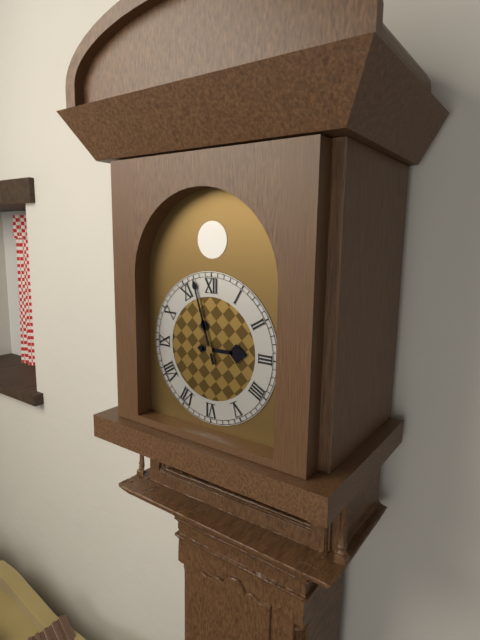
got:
**2:57**
